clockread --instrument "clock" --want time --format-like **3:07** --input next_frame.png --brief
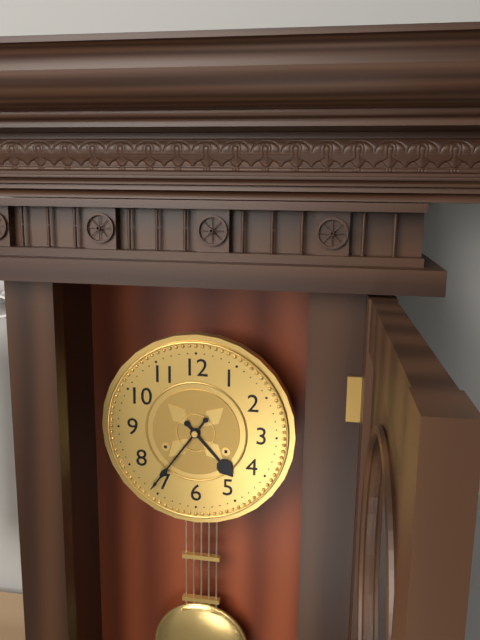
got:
**4:36**
